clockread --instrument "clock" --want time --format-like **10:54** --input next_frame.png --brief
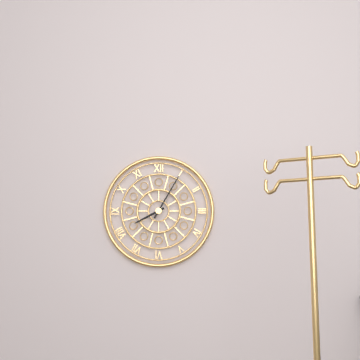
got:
**8:05**
